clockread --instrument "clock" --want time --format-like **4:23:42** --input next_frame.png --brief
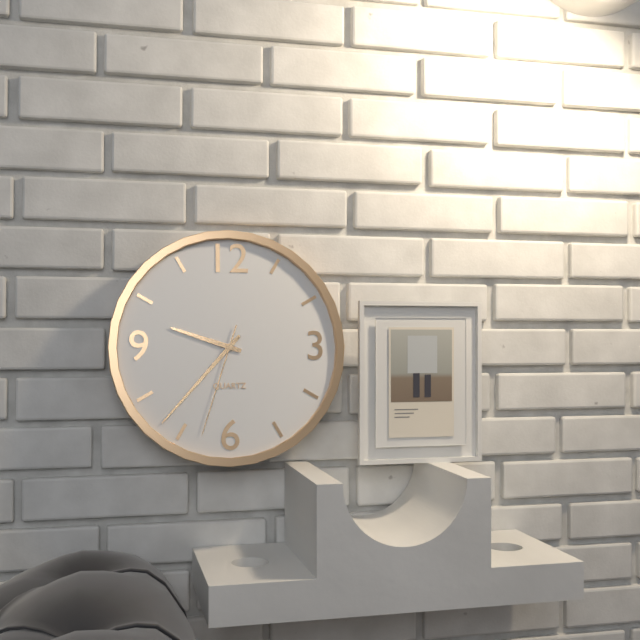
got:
**9:37:33**
